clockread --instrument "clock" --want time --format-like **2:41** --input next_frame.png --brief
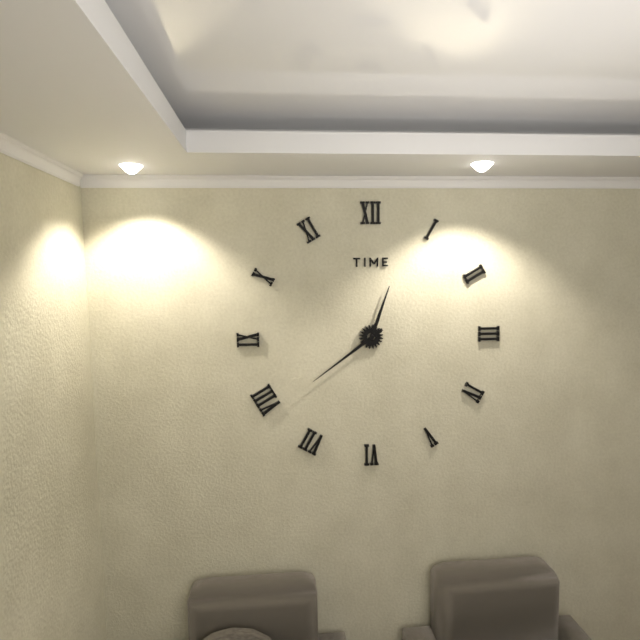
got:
**12:39**
